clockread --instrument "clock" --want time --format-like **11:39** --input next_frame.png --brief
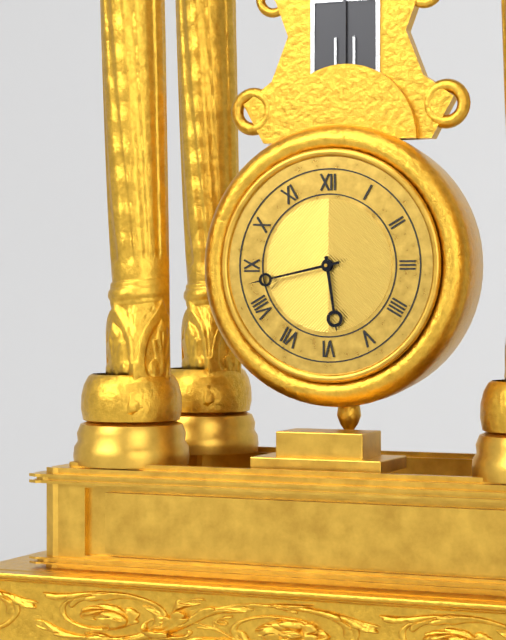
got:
**5:43**
